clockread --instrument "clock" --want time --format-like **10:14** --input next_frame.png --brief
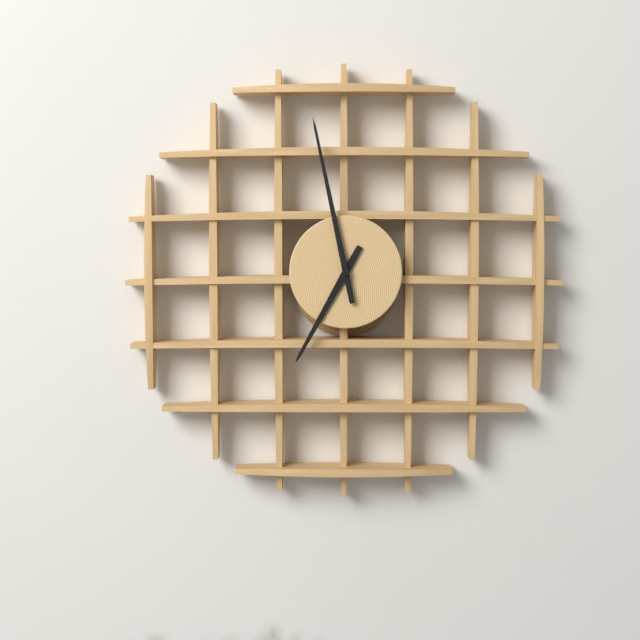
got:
**6:58**
